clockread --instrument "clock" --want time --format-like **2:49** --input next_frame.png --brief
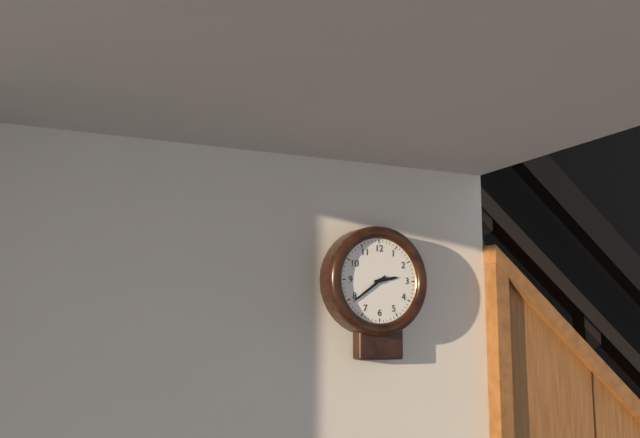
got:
**2:39**
